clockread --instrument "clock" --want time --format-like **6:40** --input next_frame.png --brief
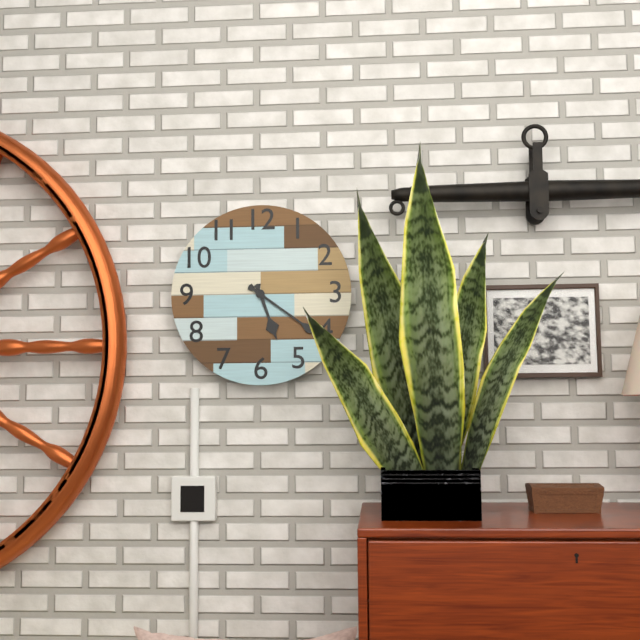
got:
**5:21**
